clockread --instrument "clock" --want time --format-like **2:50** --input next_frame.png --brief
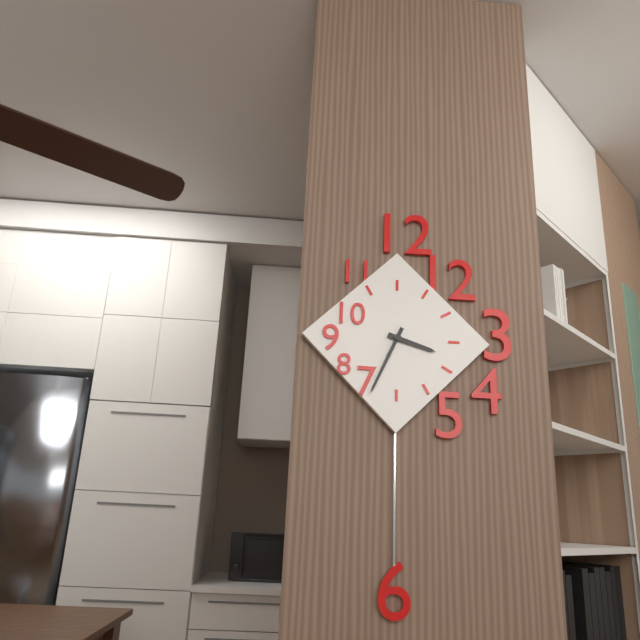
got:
**3:34**
